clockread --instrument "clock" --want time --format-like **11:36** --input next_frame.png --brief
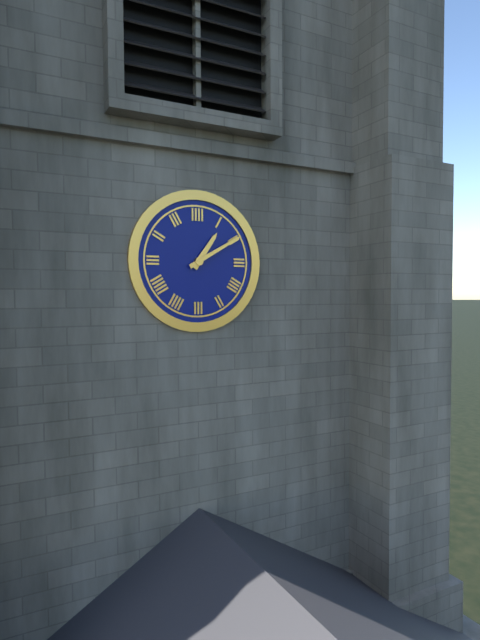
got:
**1:10**
